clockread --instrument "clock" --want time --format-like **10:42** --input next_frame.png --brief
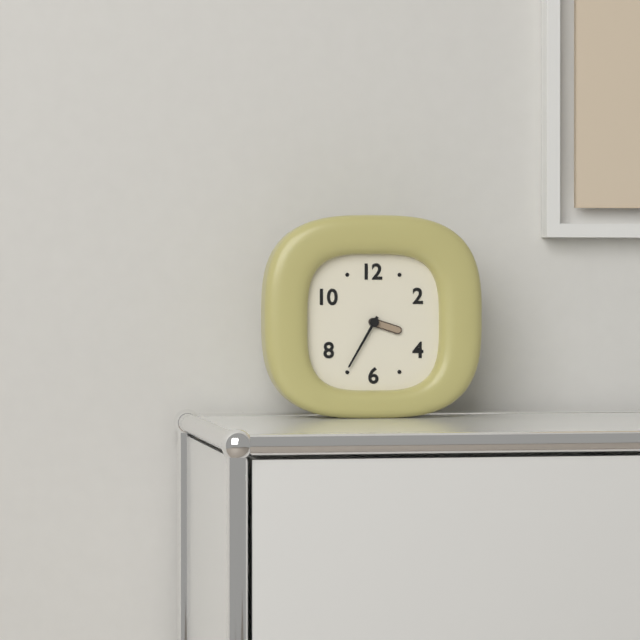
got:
**3:35**
